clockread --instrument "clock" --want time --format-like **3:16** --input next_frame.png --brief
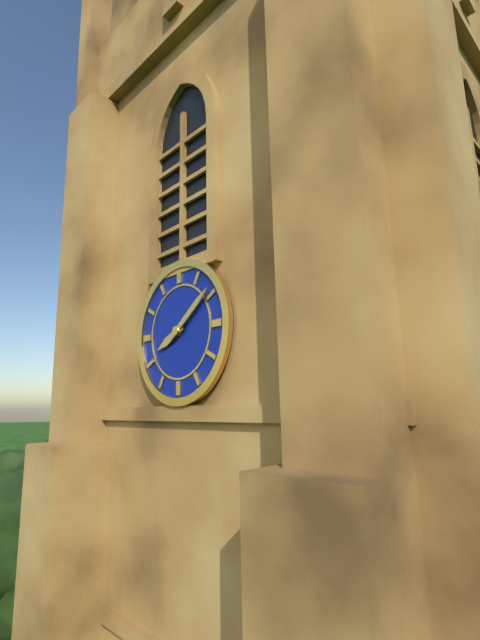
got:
**8:09**
